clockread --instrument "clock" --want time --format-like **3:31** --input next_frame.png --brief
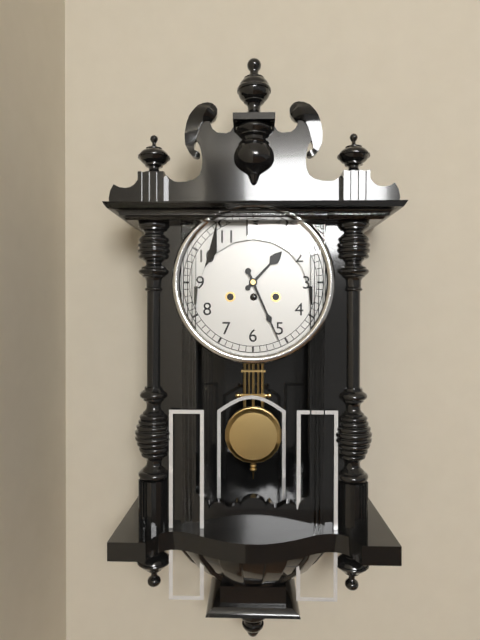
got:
**1:26**
